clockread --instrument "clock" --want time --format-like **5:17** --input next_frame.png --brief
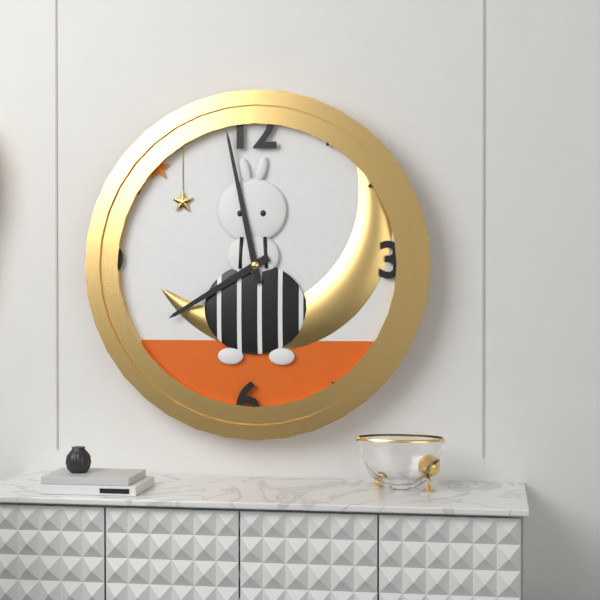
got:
**7:58**
